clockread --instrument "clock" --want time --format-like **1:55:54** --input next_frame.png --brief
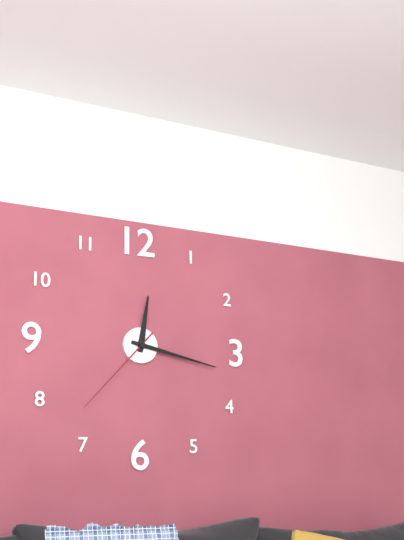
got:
**12:17:37**
